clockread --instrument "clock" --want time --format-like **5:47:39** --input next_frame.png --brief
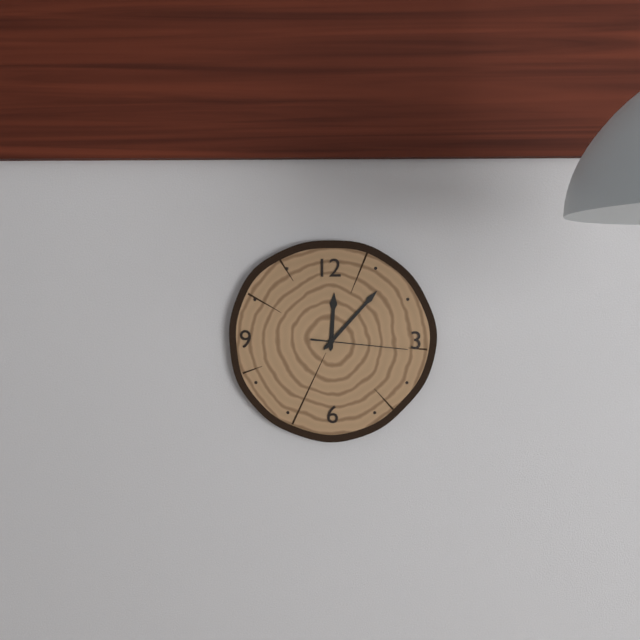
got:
**12:07:16**
